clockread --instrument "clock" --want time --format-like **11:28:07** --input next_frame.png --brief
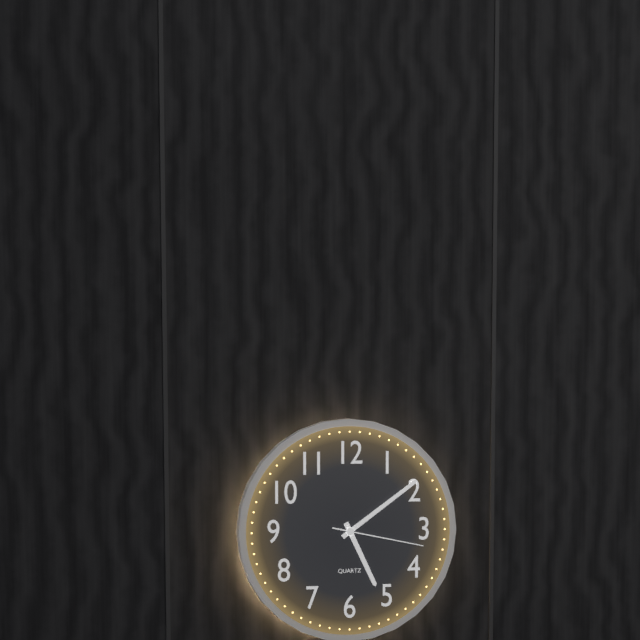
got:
**5:09:17**
